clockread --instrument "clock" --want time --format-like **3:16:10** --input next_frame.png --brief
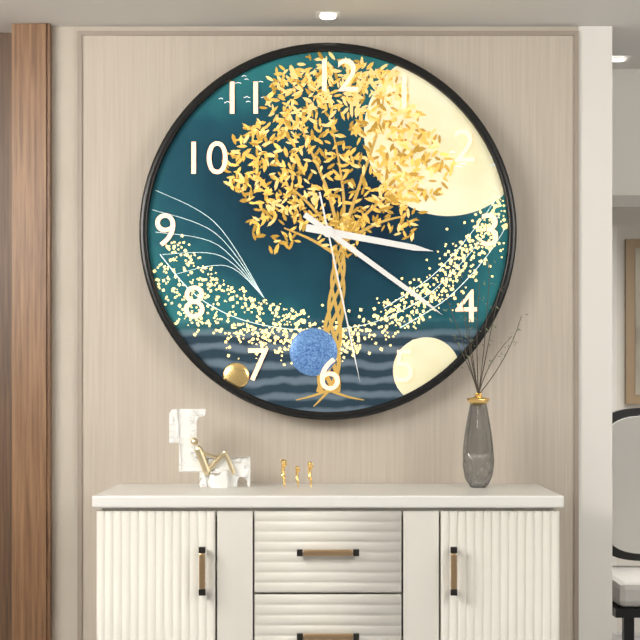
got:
**3:21:28**
